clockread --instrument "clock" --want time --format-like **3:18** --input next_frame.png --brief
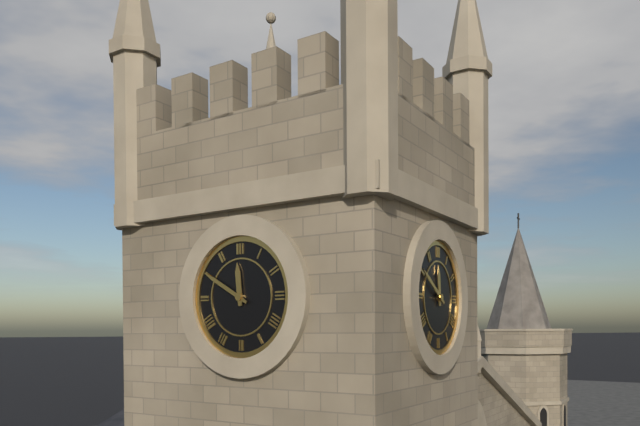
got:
**11:50**
